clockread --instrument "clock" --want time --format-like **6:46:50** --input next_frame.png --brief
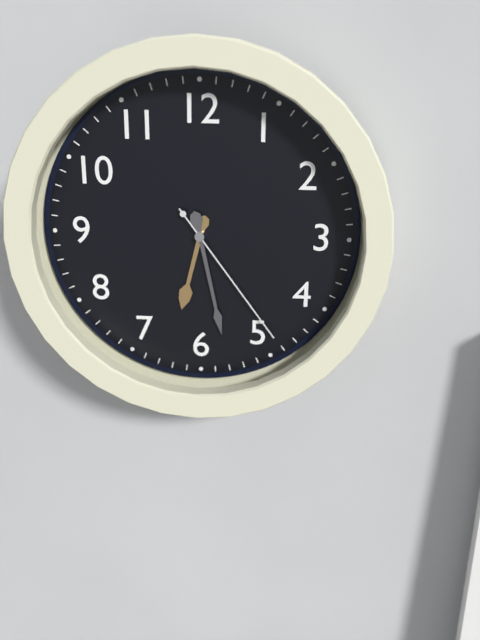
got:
**6:28:24**
